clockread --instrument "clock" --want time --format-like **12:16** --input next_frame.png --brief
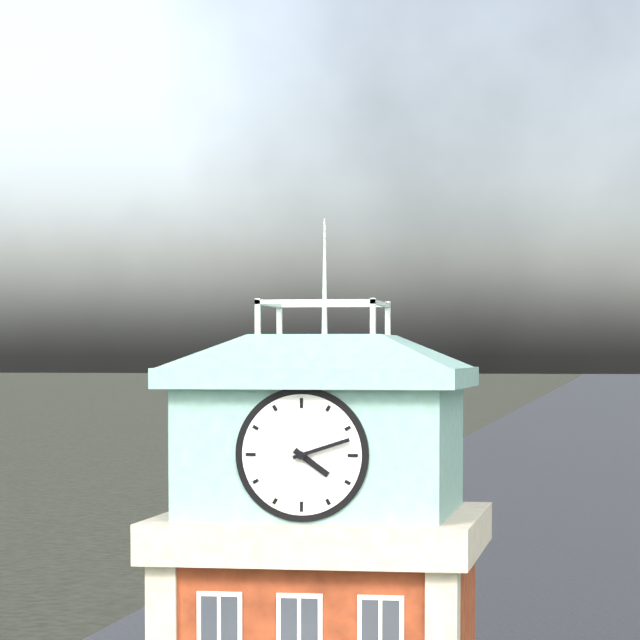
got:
**4:12**
